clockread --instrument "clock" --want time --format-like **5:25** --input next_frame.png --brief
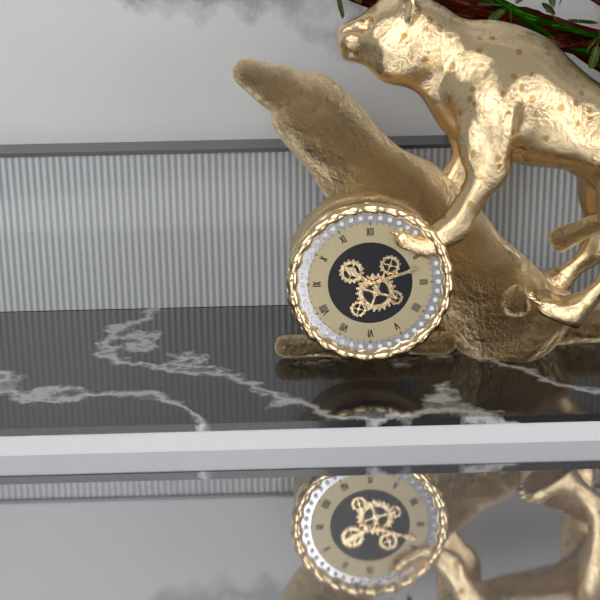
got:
**10:12**
